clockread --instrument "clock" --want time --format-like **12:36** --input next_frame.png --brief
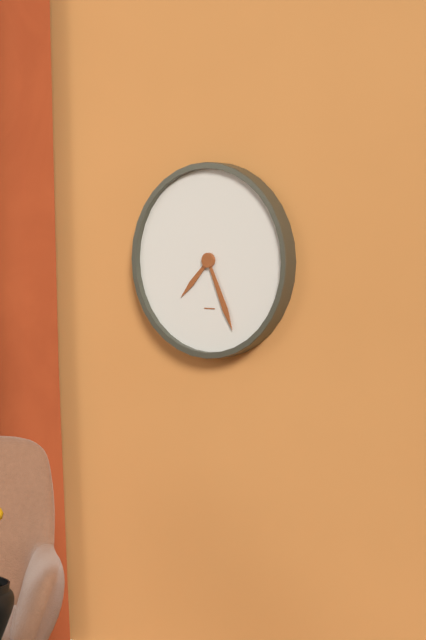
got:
**7:26**
